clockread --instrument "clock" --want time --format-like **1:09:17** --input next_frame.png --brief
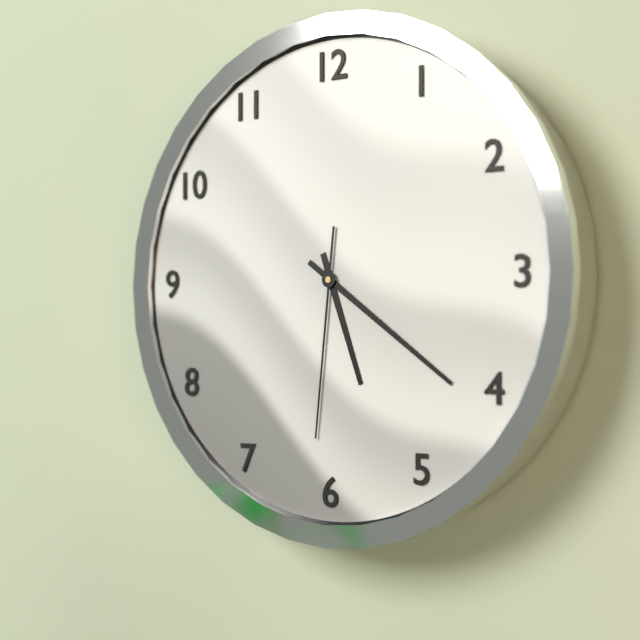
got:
**5:21:31**
